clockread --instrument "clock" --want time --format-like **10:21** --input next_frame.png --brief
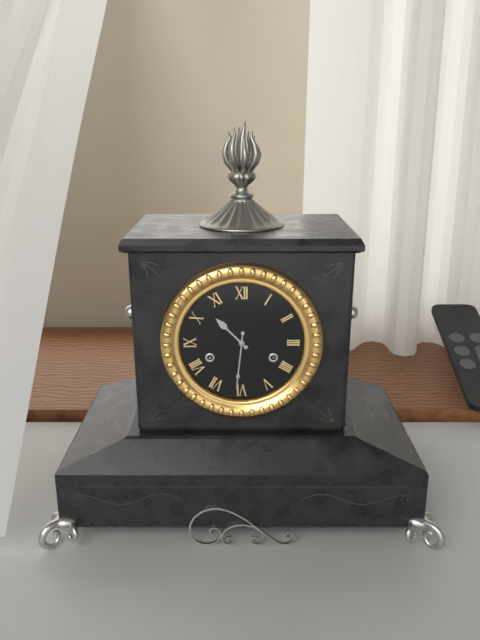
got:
**10:31**
